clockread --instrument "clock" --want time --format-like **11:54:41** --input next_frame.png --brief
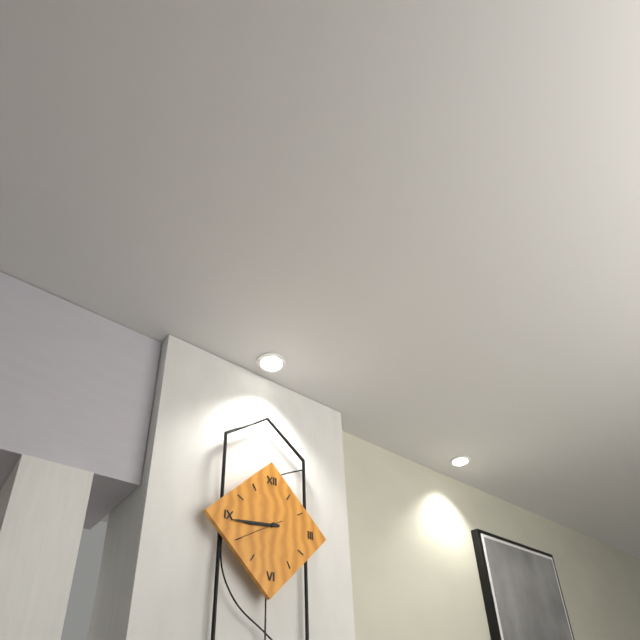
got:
**8:44:40**
